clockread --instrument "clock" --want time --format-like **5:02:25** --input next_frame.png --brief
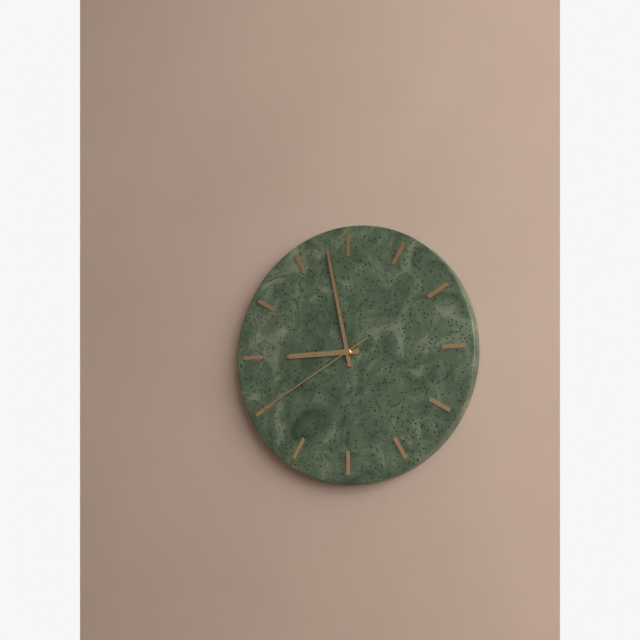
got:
**8:58:40**
